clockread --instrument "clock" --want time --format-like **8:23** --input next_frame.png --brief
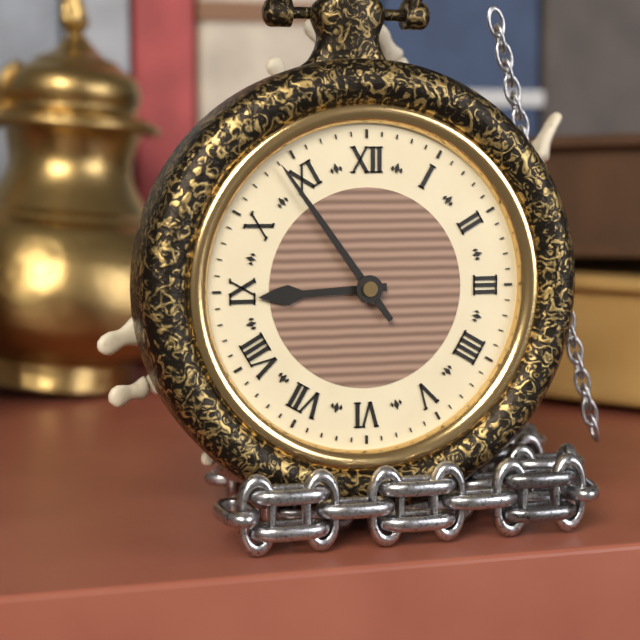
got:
**8:54**
